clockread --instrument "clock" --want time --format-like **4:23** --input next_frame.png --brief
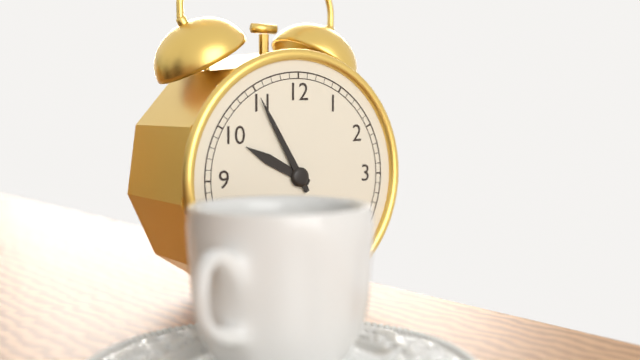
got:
**9:55**
